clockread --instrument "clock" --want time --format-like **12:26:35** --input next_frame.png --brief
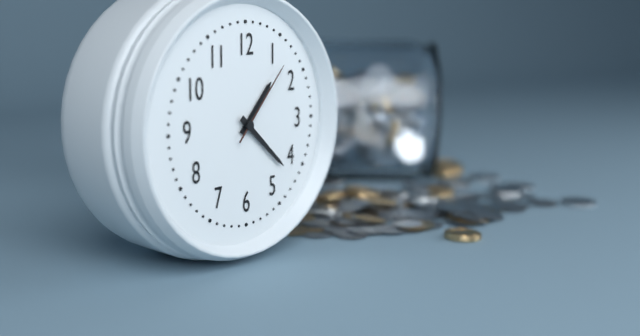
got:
**1:22:07**
